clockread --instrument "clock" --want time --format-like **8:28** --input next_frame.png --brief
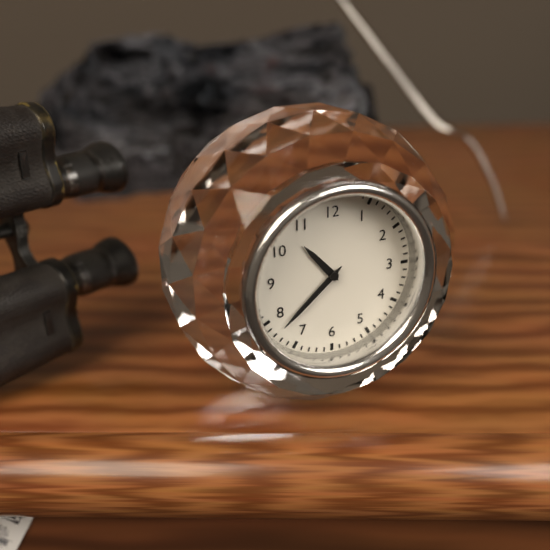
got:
**10:38**
